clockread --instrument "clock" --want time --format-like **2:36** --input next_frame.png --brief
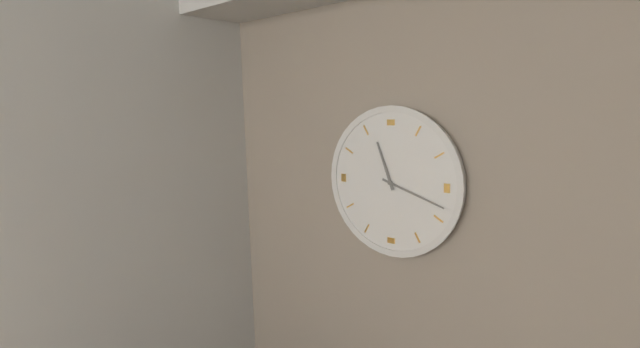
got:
**11:18**
